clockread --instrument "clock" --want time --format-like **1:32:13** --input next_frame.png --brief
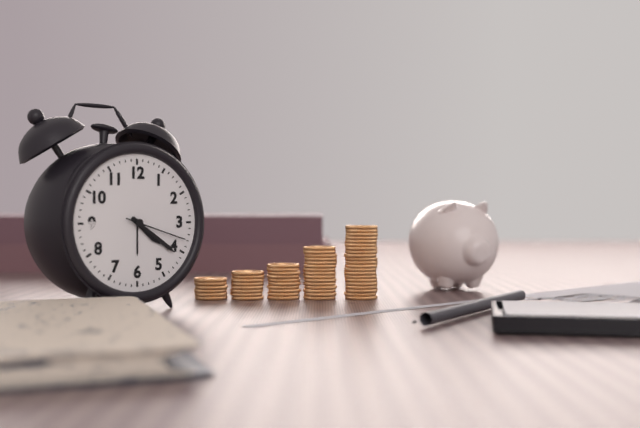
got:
**4:21:18**
